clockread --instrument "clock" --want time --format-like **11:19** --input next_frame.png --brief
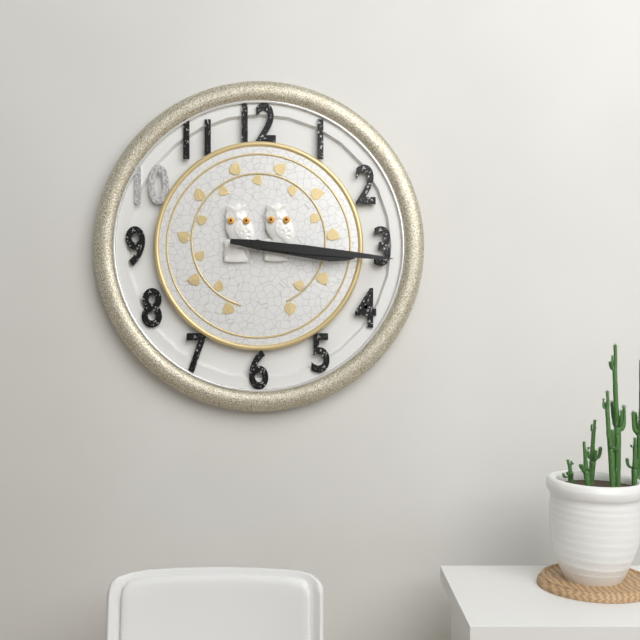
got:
**3:16**
